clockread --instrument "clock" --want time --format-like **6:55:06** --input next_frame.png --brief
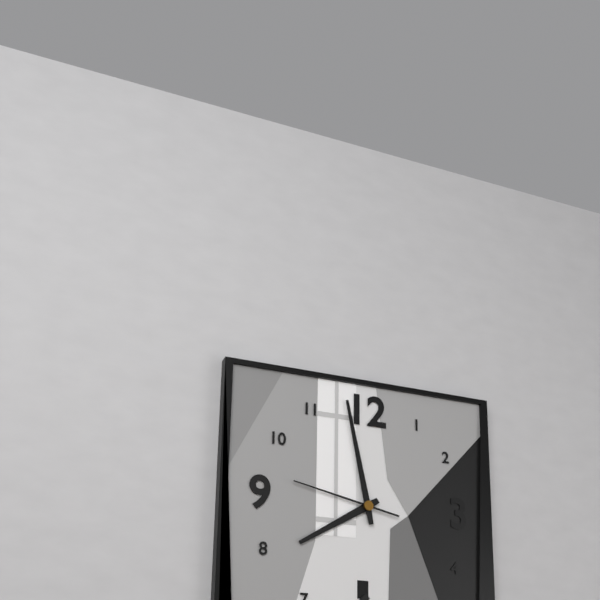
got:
**7:58:47**
